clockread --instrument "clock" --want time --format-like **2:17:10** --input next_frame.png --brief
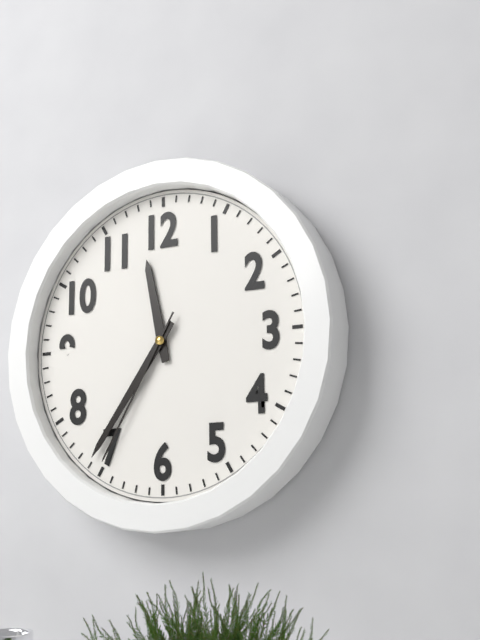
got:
**11:36:35**
